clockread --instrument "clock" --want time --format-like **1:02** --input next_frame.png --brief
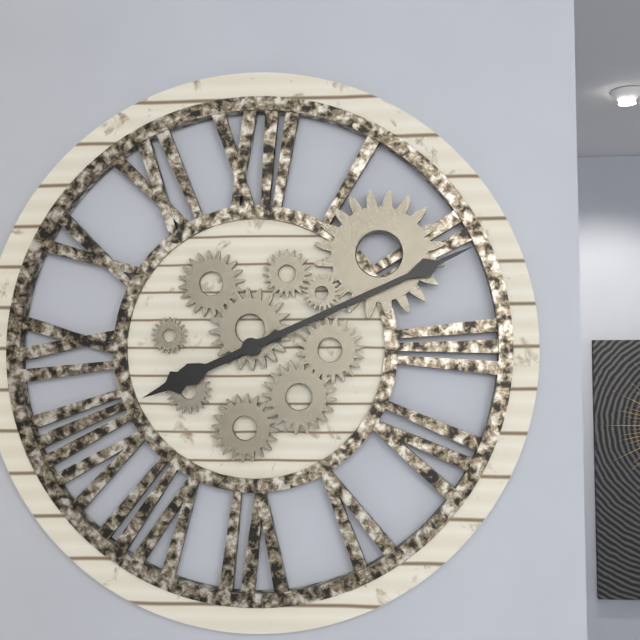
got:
**8:11**
